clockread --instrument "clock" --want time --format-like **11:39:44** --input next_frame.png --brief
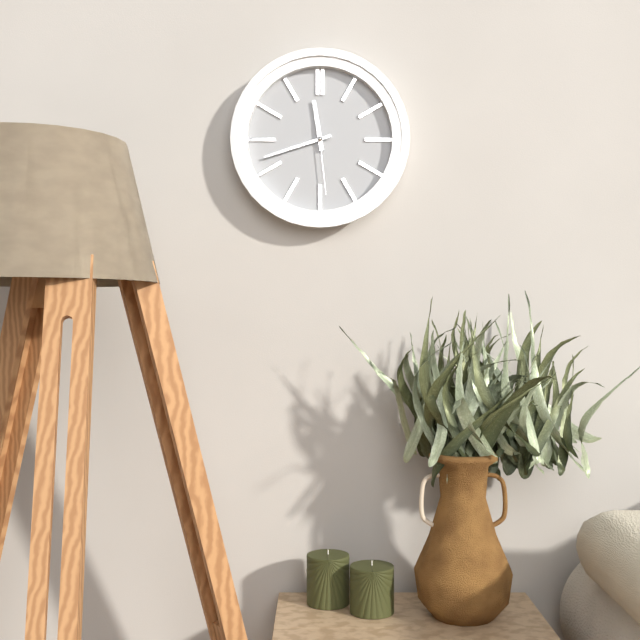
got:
**11:42:29**
